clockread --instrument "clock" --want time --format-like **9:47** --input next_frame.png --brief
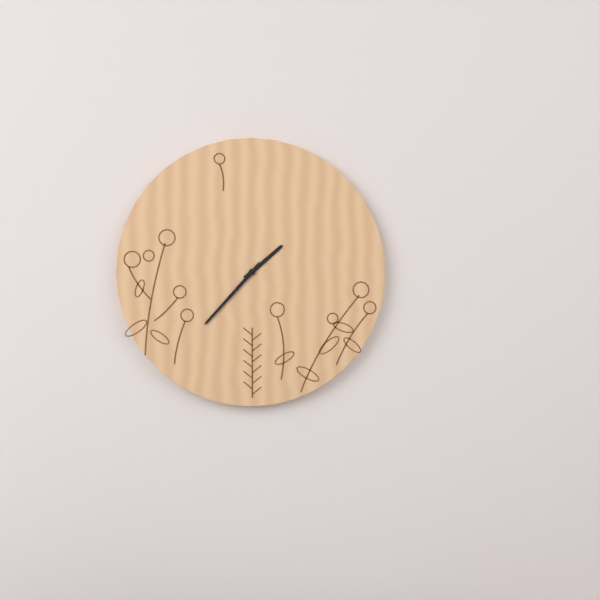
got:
**1:37**
